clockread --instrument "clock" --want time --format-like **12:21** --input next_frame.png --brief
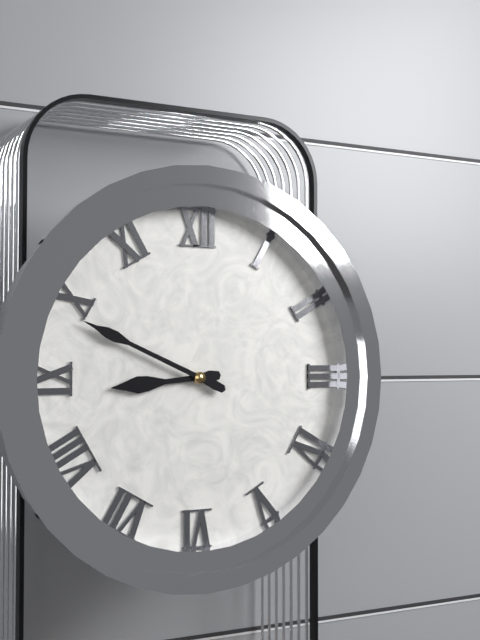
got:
**8:49**
